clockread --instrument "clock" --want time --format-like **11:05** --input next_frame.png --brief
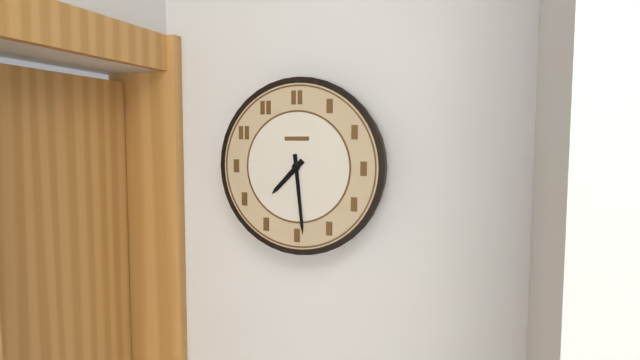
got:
**7:29**
